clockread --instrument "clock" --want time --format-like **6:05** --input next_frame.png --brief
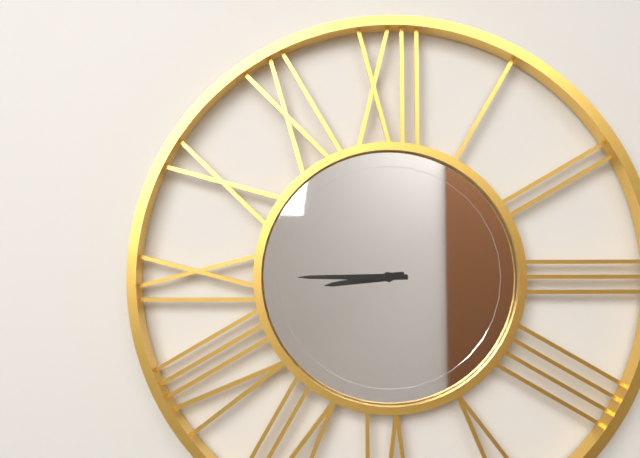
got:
**8:45**
